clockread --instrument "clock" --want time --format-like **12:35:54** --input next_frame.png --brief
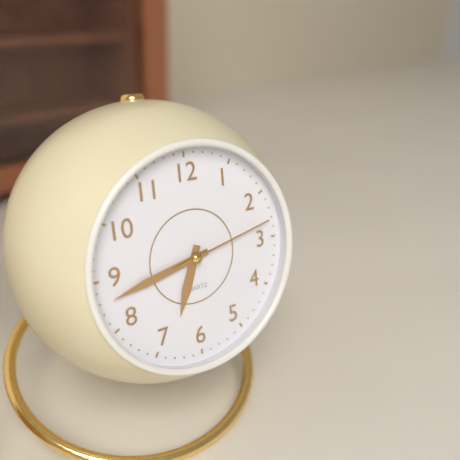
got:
**6:43:13**
